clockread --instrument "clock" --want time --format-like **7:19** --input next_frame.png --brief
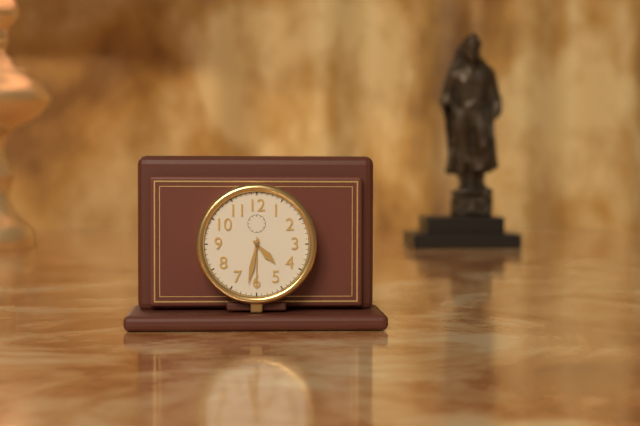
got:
**4:32**
